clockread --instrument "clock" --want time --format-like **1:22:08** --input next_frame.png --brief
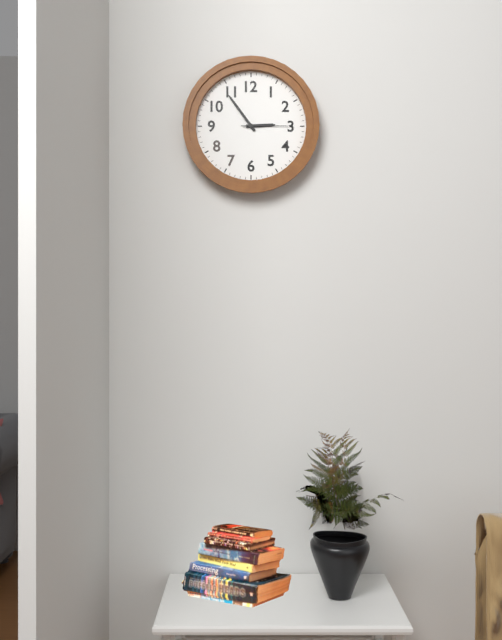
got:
**2:54:15**
